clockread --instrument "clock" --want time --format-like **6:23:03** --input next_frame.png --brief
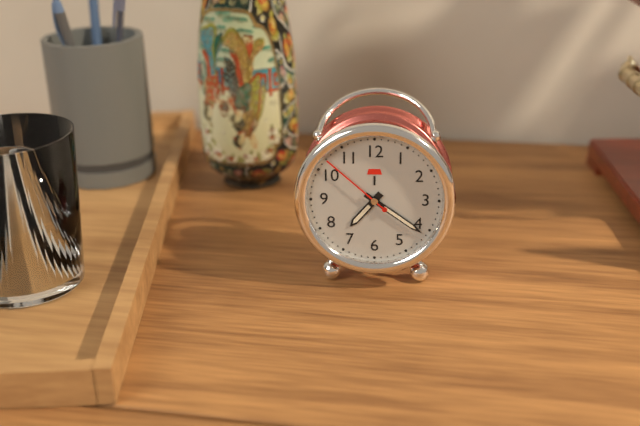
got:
**7:21:52**
